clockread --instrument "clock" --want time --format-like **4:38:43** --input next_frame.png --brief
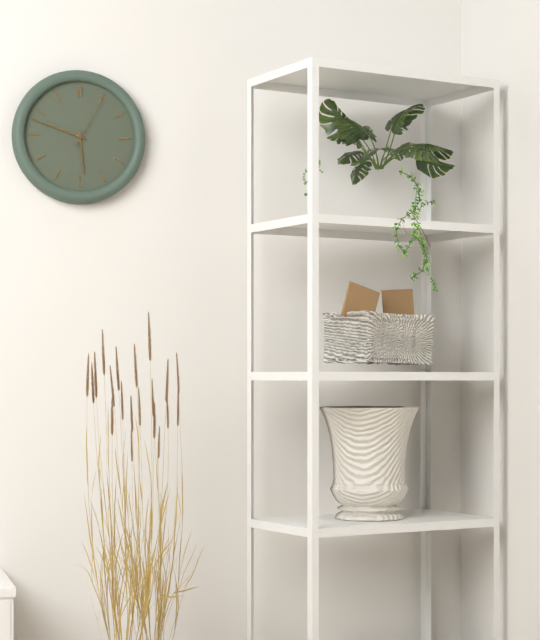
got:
**5:48:05**
